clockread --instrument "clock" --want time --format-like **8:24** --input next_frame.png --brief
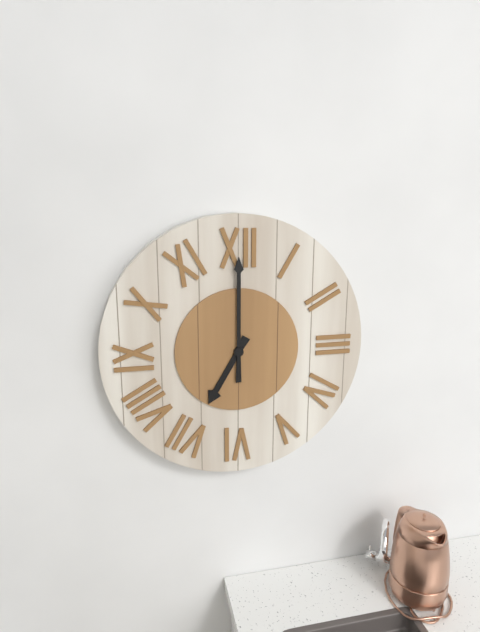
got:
**7:00**
